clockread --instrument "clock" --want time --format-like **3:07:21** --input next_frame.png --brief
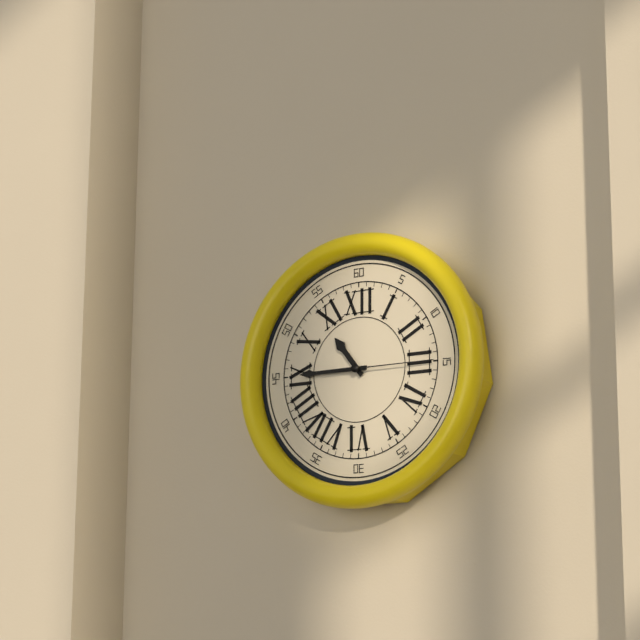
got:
**10:45:15**
